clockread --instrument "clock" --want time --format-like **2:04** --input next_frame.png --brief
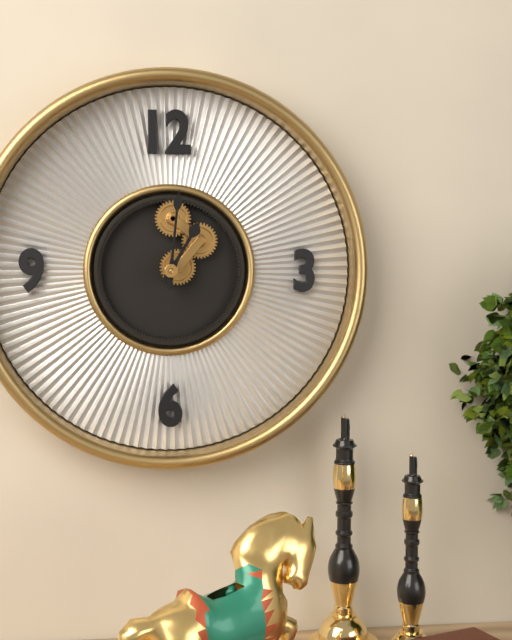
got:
**1:01**
